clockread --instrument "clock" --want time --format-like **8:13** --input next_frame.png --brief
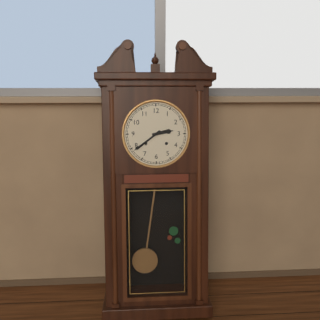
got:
**2:39**
